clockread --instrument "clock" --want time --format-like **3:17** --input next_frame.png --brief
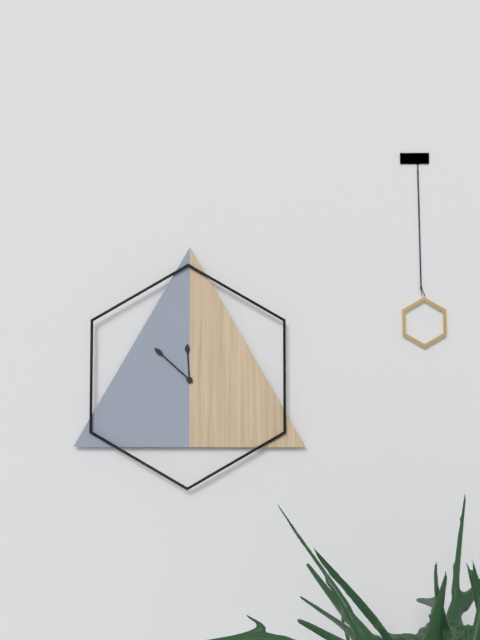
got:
**11:52**
